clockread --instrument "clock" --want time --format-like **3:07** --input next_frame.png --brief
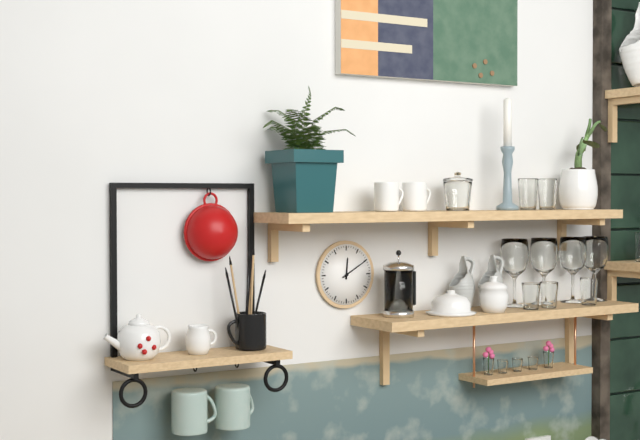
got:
**12:10**
